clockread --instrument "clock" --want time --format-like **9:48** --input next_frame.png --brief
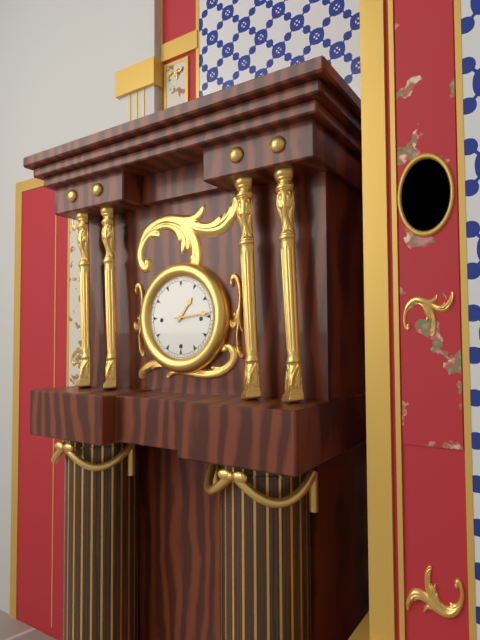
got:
**1:14**
